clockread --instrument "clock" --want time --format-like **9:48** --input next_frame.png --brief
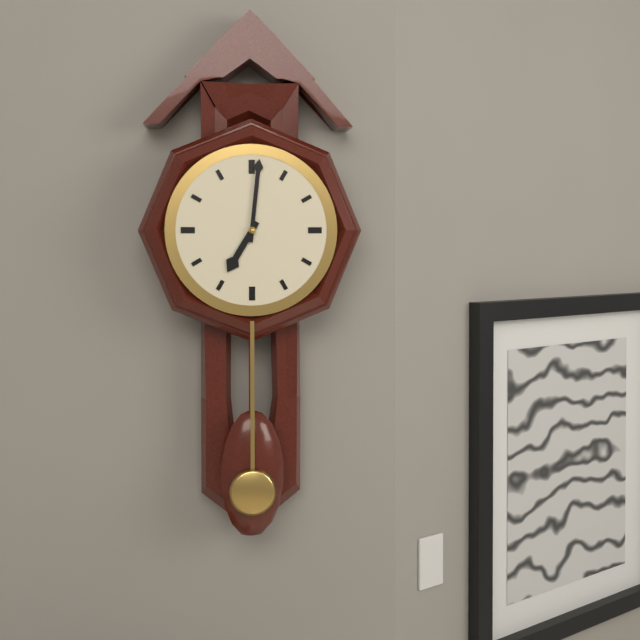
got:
**7:01**
